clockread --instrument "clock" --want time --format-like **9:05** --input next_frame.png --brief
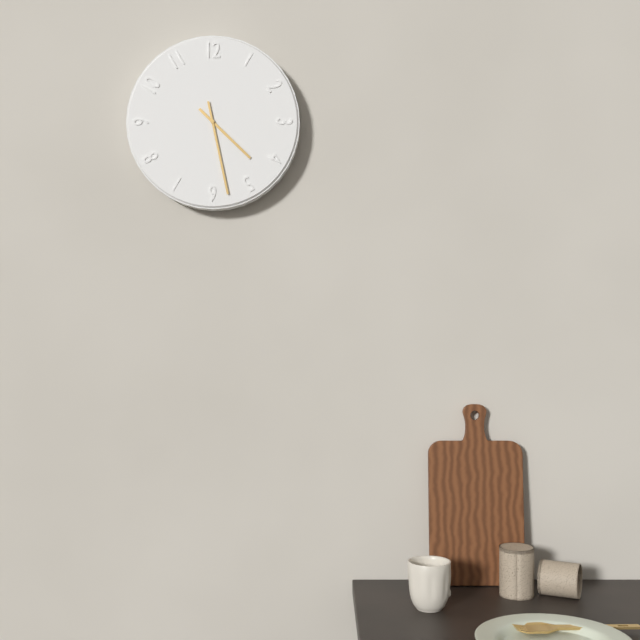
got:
**4:28**
